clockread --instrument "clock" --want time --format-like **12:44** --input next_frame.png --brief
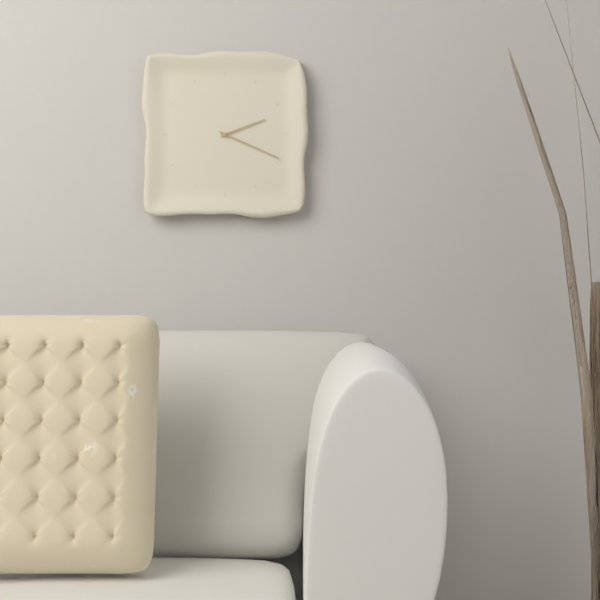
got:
**2:19**
